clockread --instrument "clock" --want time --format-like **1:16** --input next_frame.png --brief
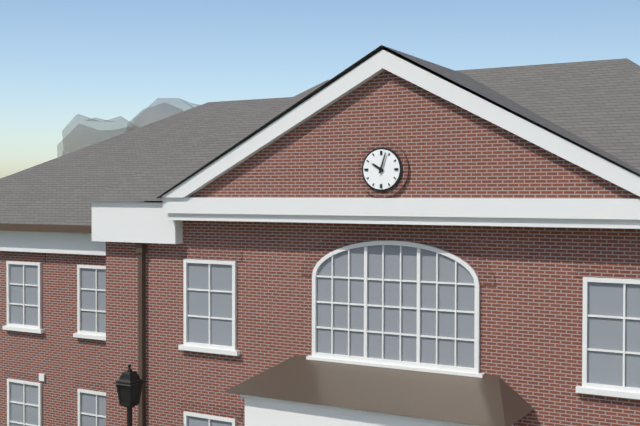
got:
**10:03**
